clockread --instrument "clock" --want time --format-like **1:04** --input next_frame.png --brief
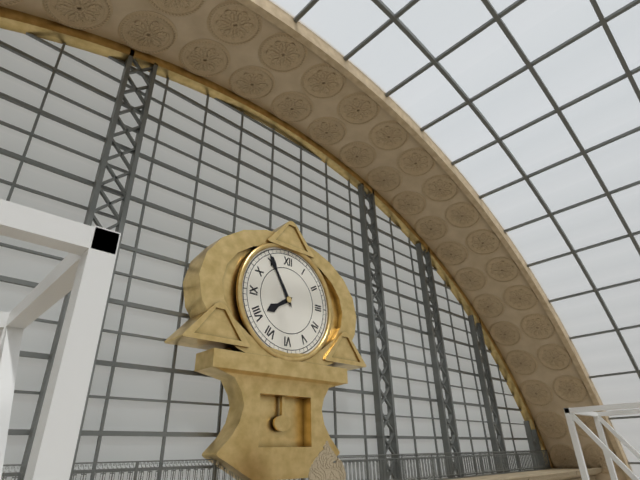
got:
**7:55**
